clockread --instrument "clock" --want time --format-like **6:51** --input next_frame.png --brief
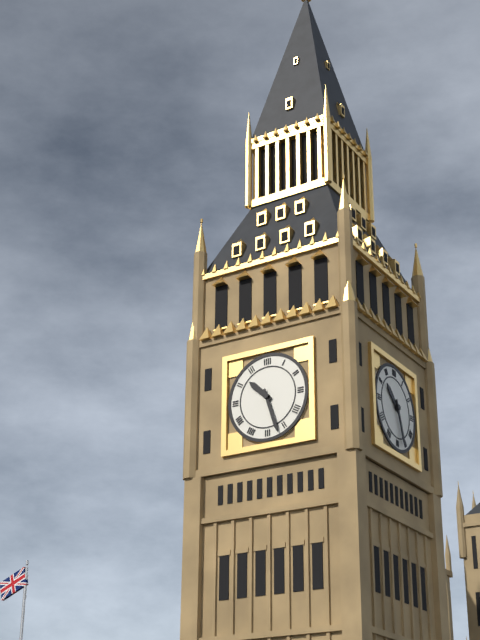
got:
**10:27**
